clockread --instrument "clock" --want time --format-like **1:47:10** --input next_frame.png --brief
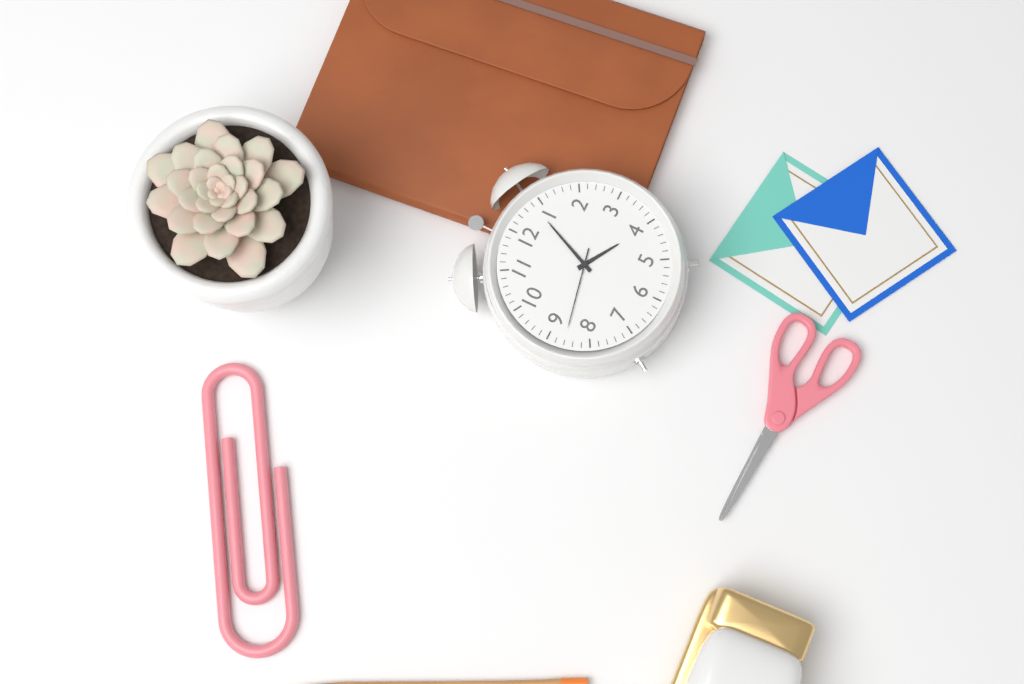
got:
**4:04:43**
